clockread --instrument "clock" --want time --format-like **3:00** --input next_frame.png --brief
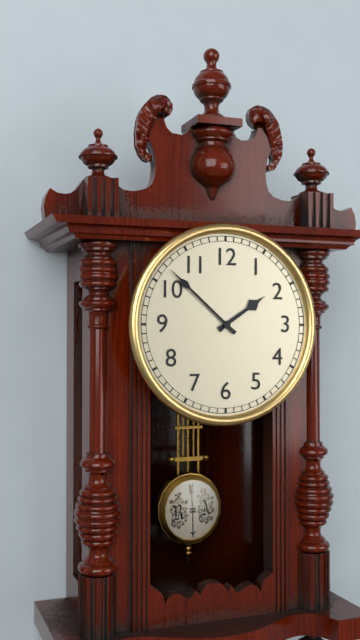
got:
**1:52**
